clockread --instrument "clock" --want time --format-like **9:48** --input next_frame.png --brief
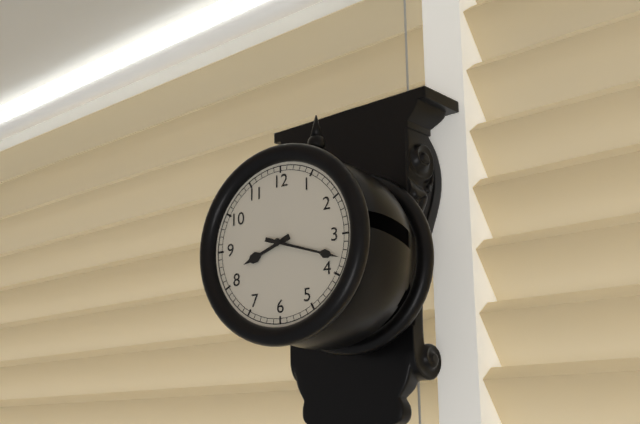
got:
**8:18**
